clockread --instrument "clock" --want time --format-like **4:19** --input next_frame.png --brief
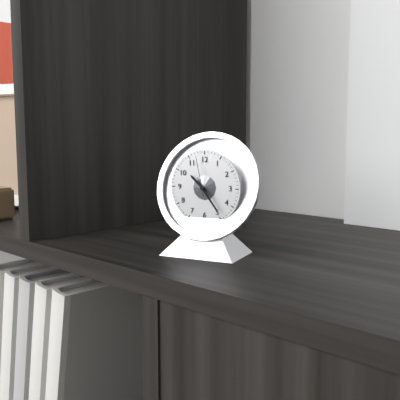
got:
**10:24**
